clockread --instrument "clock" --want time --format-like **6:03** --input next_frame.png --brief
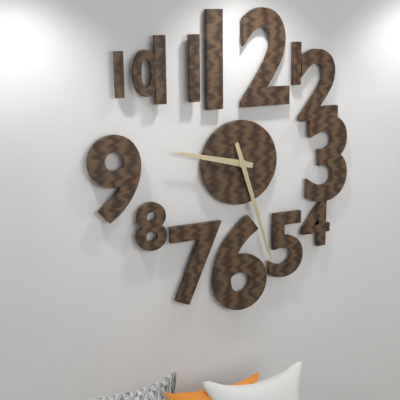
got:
**9:27**
